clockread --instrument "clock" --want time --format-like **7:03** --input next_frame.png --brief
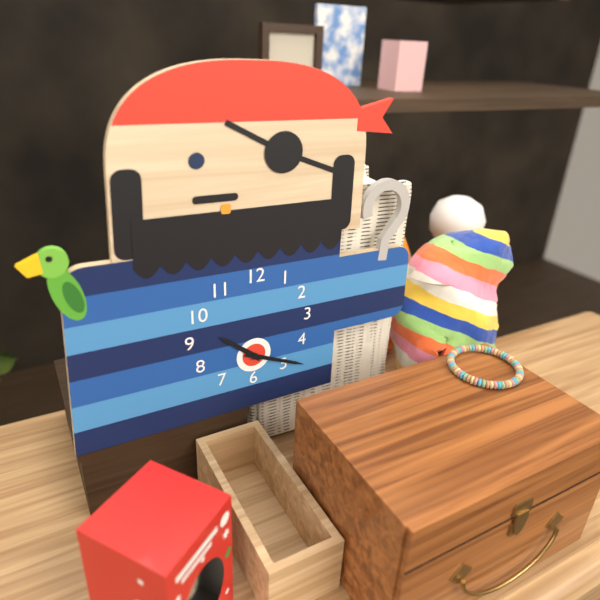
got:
**10:19**
